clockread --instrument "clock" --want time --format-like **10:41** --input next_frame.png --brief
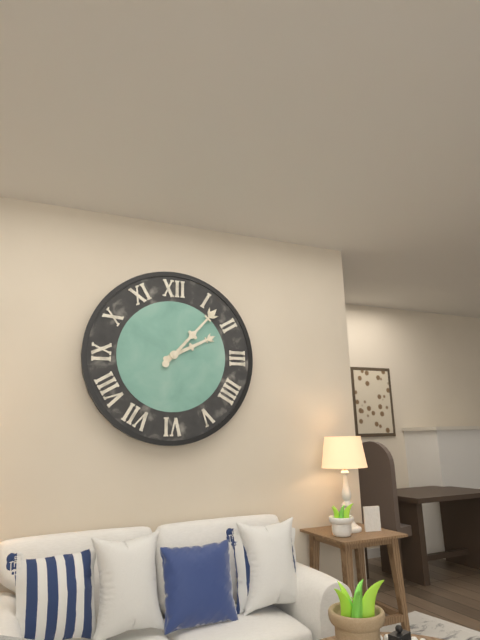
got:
**2:07**
